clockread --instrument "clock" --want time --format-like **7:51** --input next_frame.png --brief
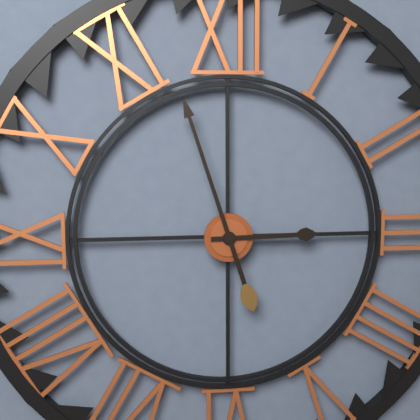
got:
**2:57**
